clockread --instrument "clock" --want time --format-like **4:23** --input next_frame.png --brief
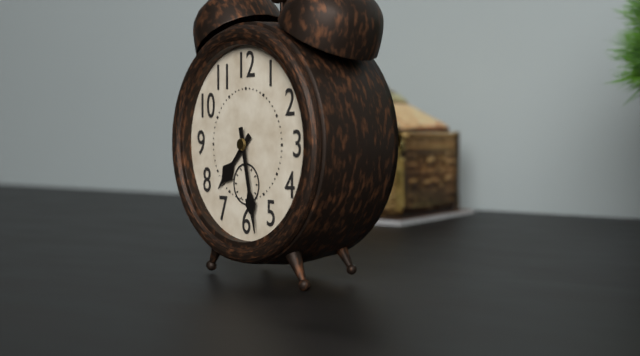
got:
**7:28**
